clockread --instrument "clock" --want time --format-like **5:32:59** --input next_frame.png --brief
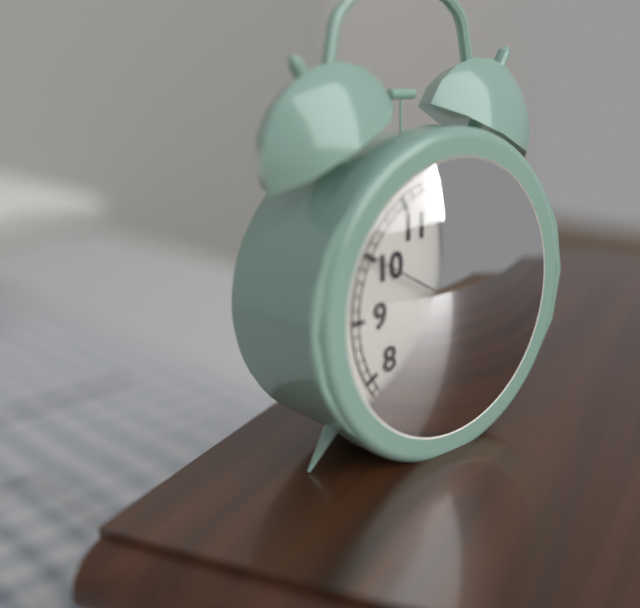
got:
**11:59:50**
